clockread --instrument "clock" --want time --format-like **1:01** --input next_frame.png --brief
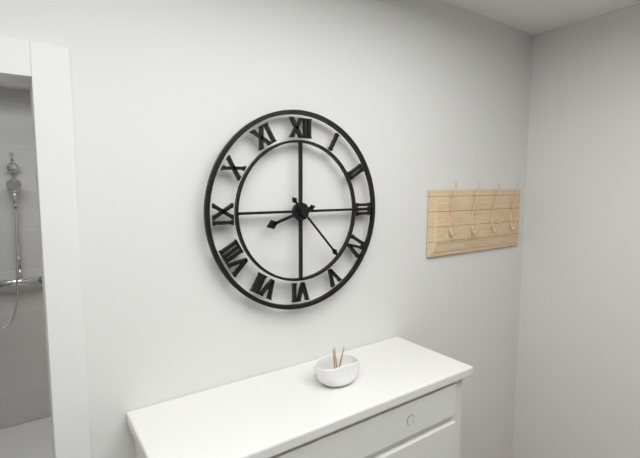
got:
**8:23**
